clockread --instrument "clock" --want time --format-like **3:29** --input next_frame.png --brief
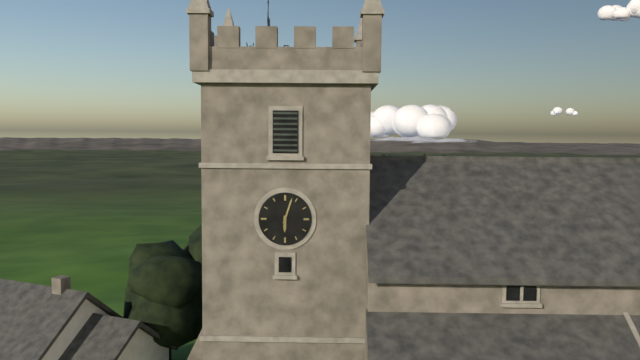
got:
**6:03**
